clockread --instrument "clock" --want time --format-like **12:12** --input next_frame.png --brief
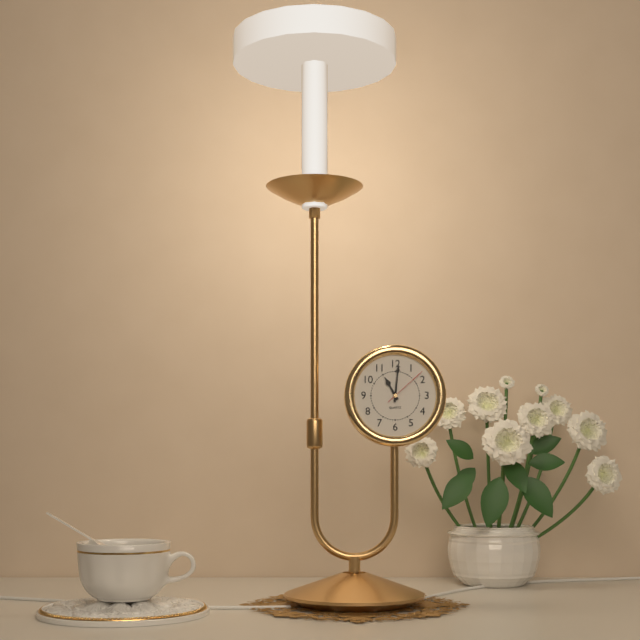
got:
**11:01**
